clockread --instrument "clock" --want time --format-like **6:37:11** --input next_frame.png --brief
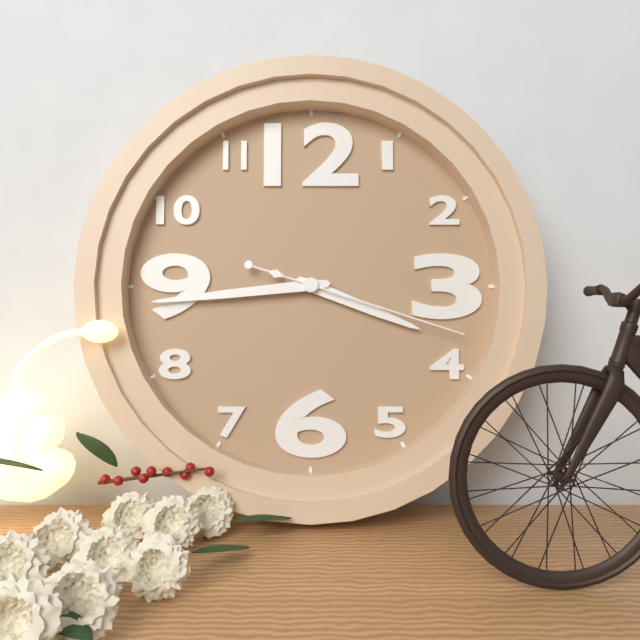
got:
**3:44:18**
